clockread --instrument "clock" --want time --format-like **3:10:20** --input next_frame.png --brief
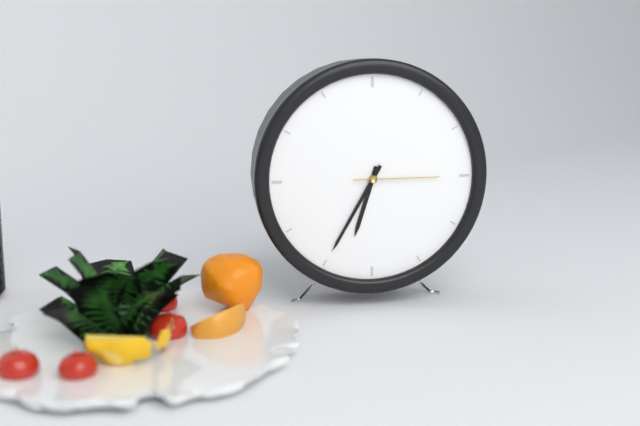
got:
**6:35:15**
